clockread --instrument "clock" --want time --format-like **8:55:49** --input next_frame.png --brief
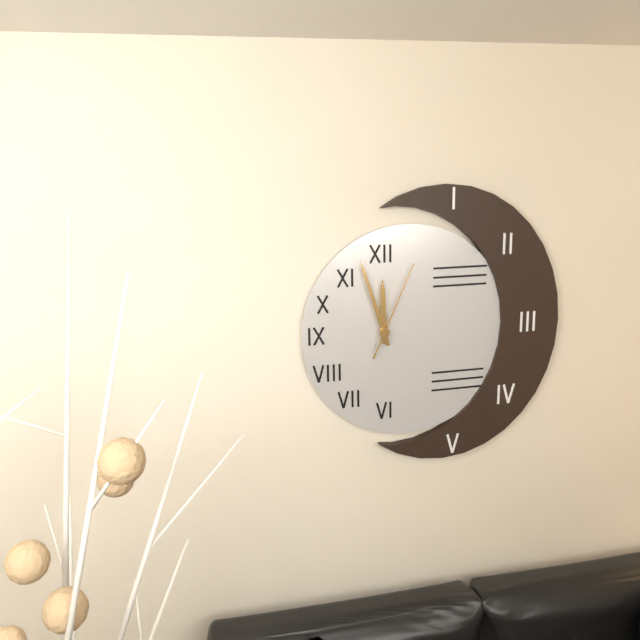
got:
**11:57:04**
